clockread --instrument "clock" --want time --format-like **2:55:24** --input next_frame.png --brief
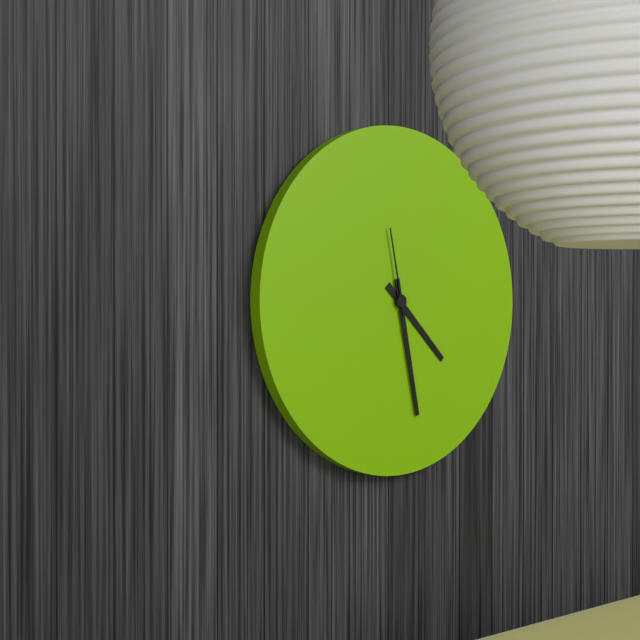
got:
**4:28:58**
